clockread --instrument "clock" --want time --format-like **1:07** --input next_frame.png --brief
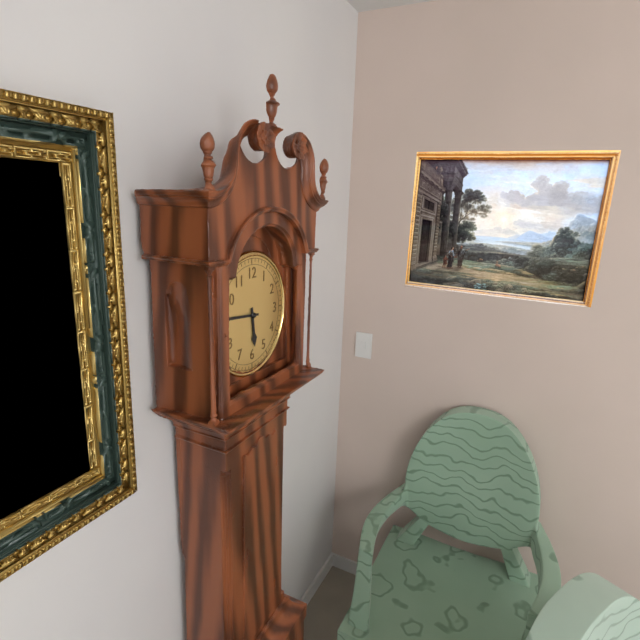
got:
**5:46**
